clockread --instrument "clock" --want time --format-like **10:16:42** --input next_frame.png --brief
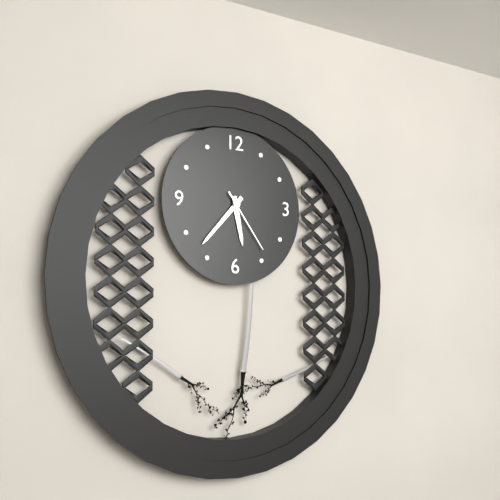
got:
**5:37:24**
